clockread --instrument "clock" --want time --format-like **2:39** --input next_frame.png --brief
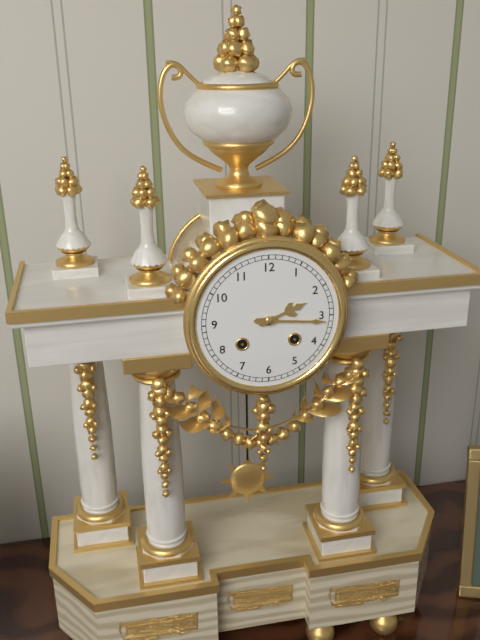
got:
**2:16**
